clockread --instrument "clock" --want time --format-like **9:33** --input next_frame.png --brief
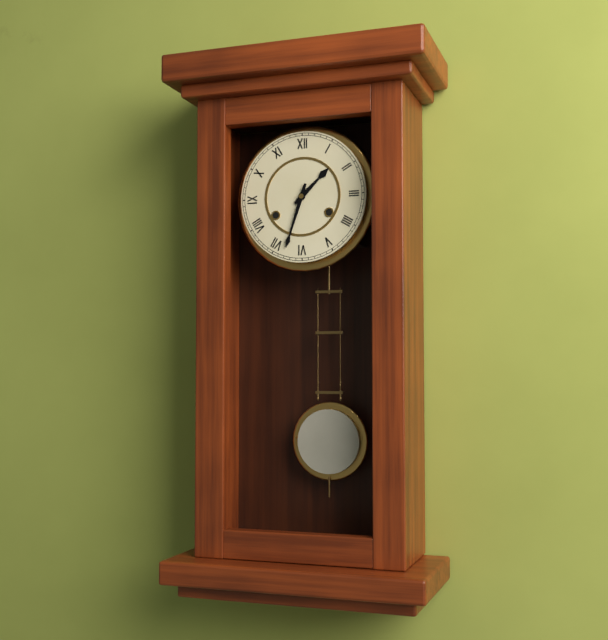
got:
**1:33**
